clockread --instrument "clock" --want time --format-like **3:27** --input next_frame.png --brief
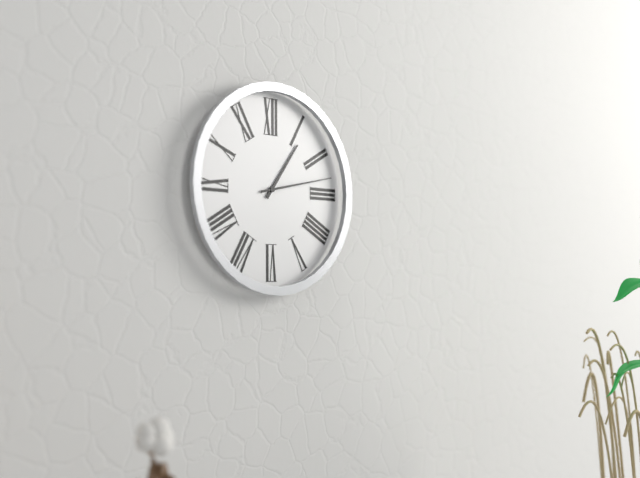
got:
**1:13**
